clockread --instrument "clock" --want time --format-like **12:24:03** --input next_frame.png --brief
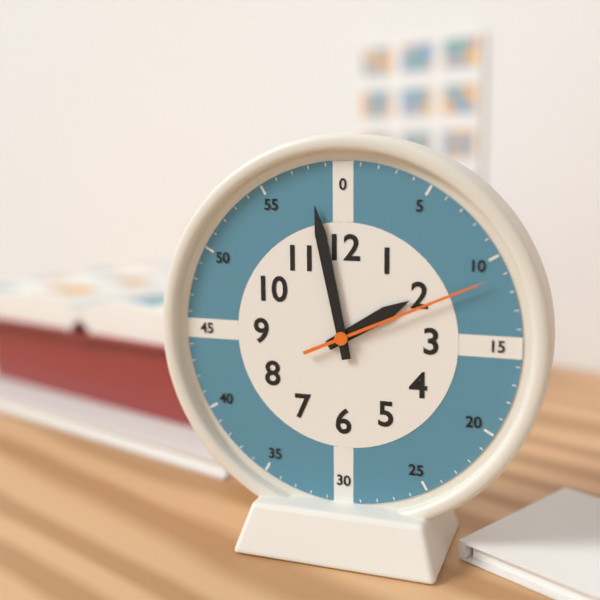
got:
**1:58:11**
